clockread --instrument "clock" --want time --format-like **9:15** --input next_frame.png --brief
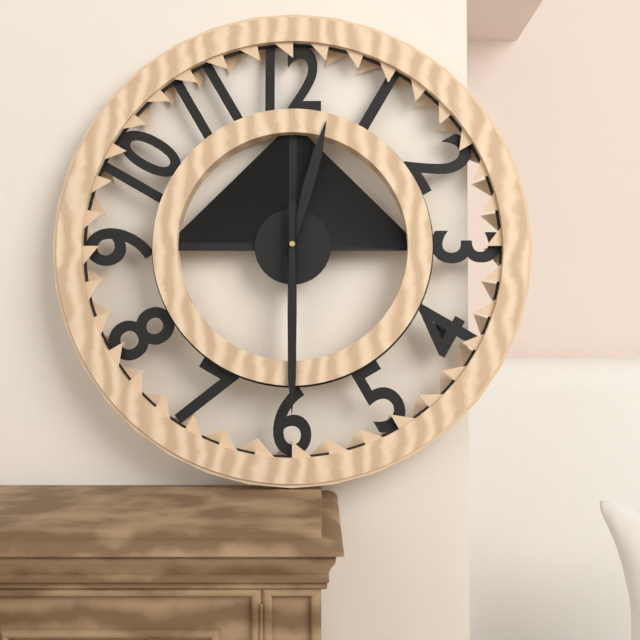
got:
**12:30**
